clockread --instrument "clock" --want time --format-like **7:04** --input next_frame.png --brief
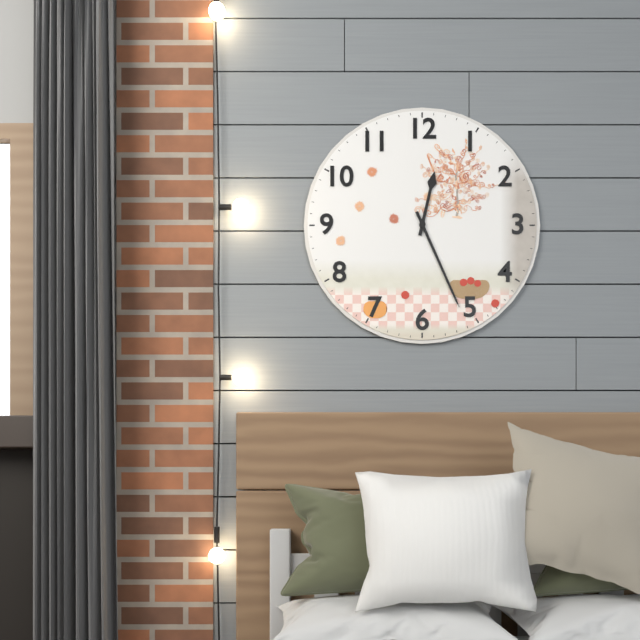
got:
**12:26**
